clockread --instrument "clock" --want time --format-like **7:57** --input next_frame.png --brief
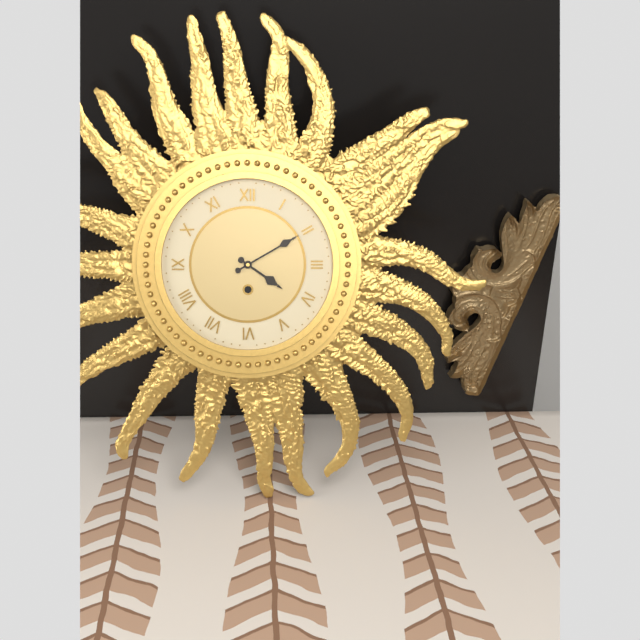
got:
**4:10**
